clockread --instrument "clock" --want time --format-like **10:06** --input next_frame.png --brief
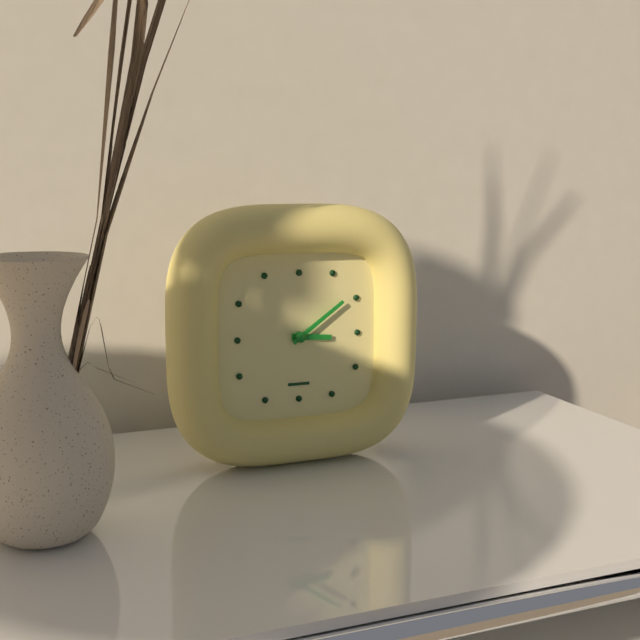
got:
**3:09**
